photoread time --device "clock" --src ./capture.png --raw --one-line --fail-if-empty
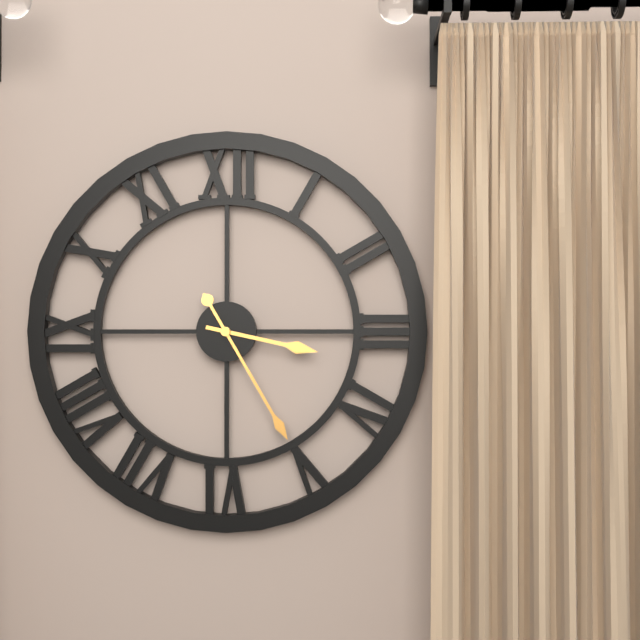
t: 3:25
